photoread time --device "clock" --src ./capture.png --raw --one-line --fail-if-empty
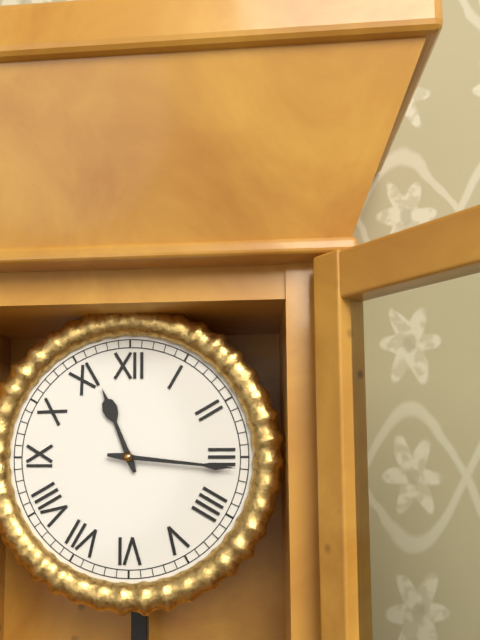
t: 11:16
